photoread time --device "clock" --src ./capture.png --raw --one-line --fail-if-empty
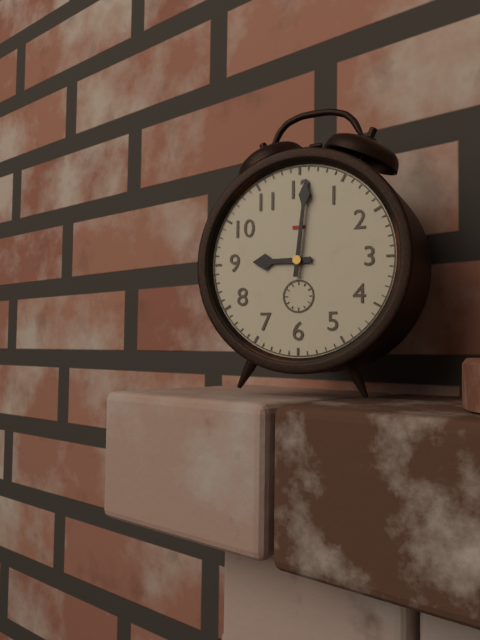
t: 9:01
